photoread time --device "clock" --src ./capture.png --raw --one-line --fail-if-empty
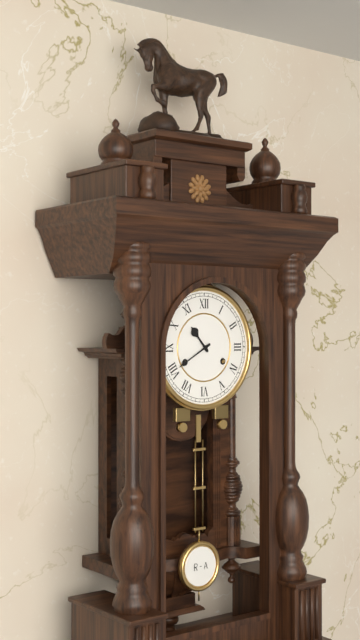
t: 10:40
